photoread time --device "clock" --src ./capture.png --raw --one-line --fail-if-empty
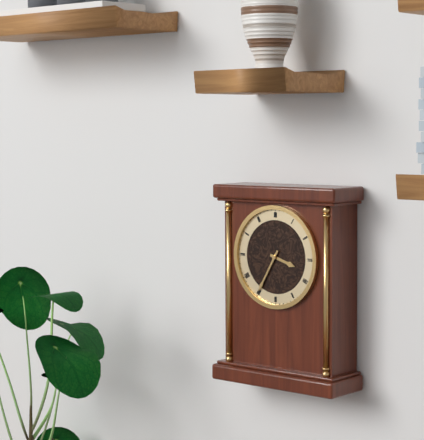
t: 3:35
